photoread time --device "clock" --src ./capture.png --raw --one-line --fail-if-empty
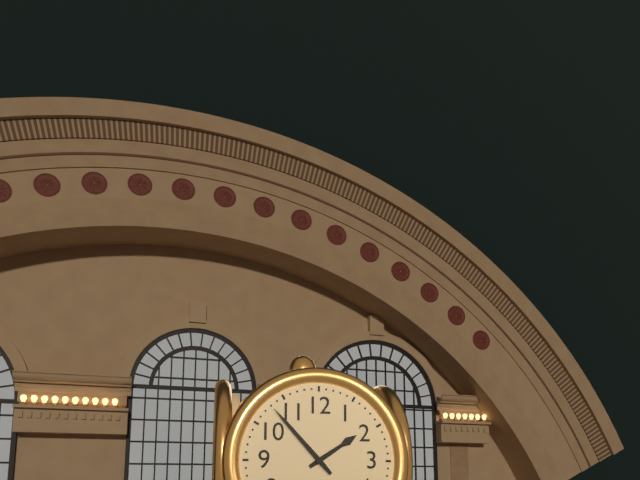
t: 1:53
